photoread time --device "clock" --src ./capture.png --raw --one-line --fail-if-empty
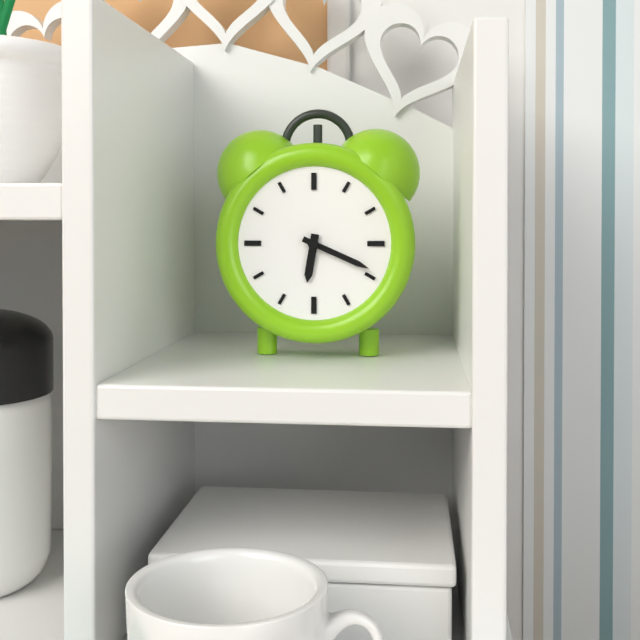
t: 6:19
